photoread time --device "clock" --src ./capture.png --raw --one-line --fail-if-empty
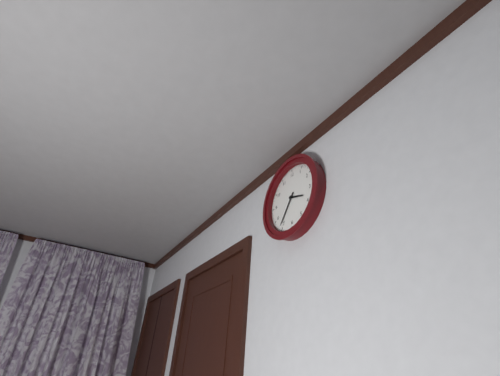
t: 3:36
